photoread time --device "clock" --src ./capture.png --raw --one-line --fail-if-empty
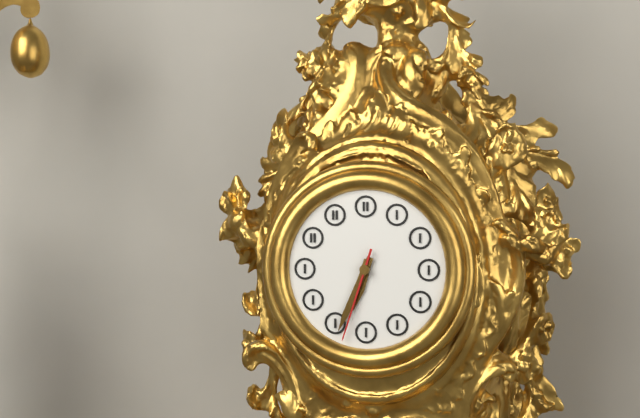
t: 6:34:33
